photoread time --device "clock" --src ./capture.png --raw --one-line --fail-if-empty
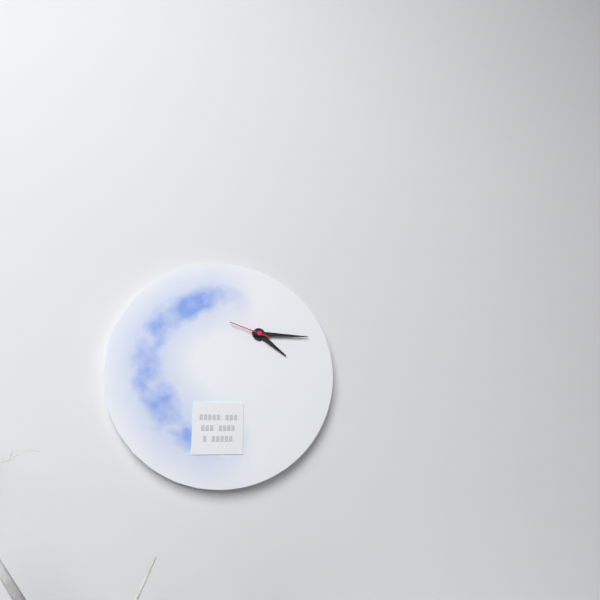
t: 4:15
